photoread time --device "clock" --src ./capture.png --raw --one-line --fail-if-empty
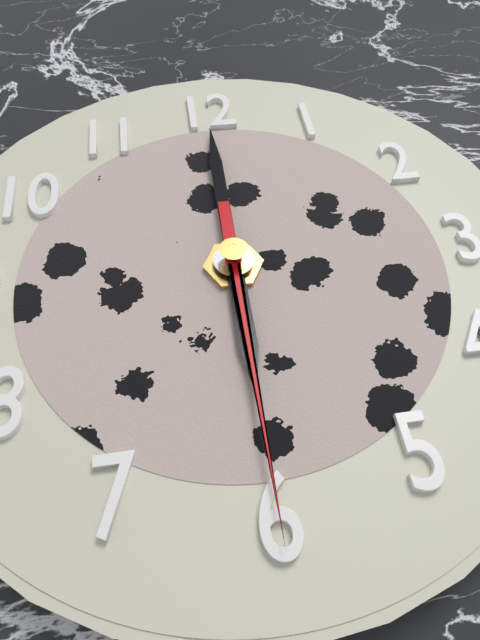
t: 6:00:30
